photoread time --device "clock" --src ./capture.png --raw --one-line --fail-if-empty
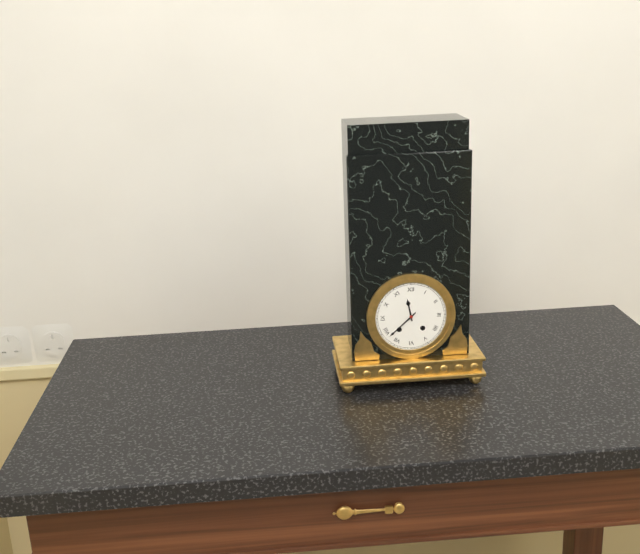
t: 11:38
